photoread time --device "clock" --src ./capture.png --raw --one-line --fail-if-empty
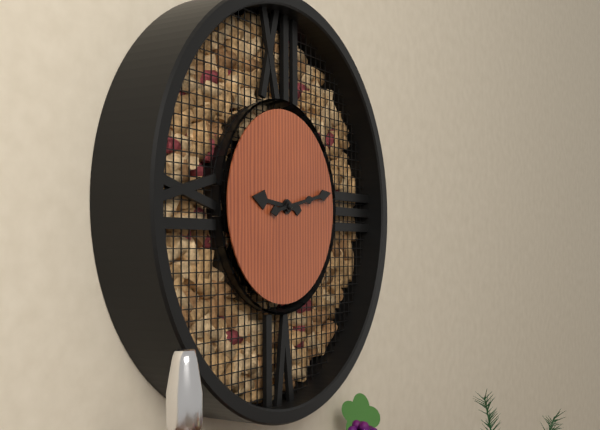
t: 9:13
